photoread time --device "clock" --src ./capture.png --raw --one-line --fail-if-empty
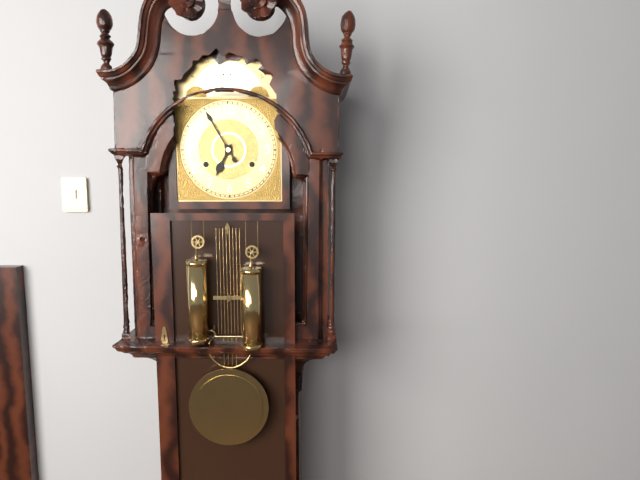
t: 6:55
